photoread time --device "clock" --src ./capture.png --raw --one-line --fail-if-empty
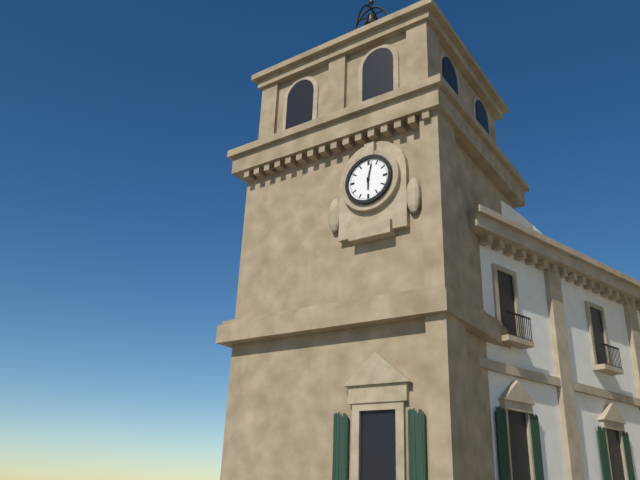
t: 6:02
